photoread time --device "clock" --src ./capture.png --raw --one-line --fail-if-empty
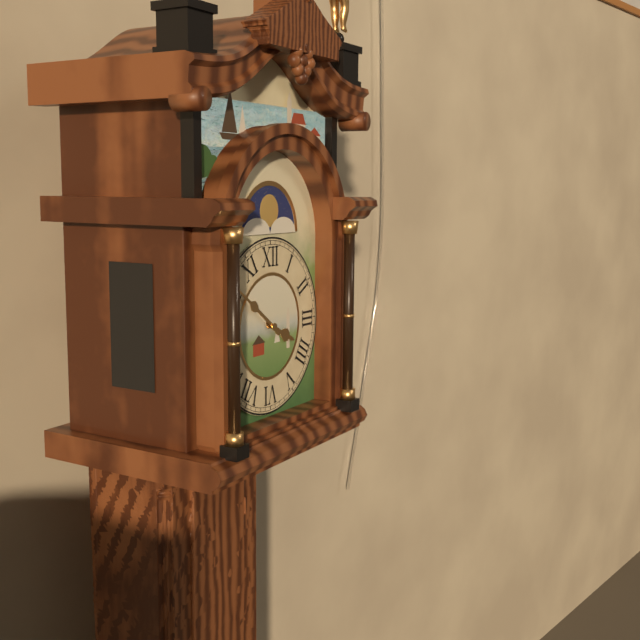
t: 3:51
